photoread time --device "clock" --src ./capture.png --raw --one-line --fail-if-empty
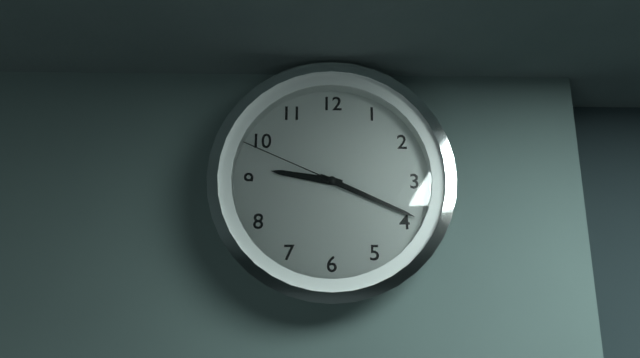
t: 9:19:49
